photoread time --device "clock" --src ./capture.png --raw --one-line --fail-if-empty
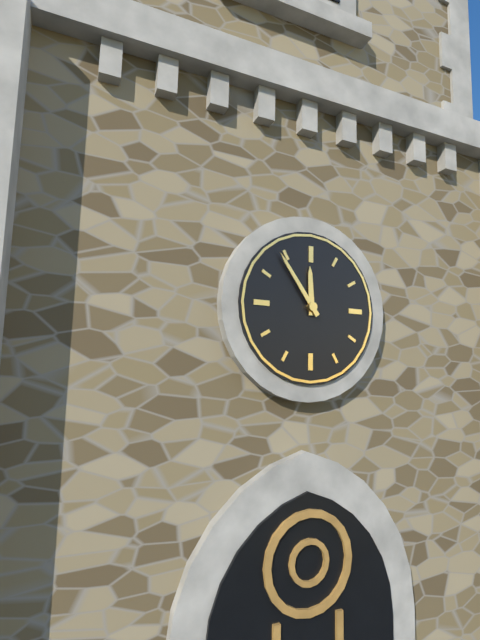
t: 11:54
